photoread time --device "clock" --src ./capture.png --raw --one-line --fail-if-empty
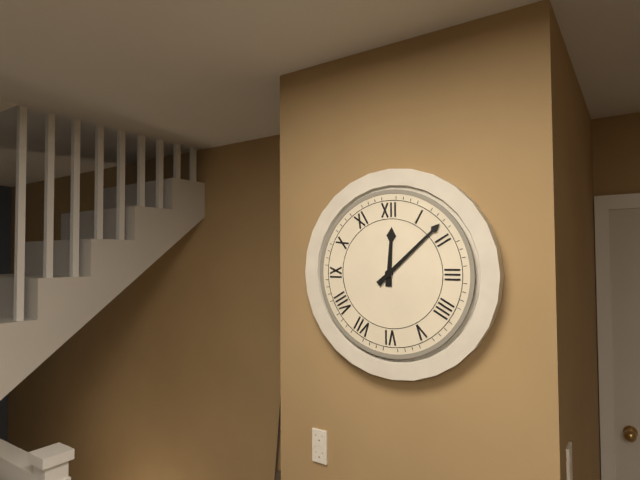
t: 12:08
